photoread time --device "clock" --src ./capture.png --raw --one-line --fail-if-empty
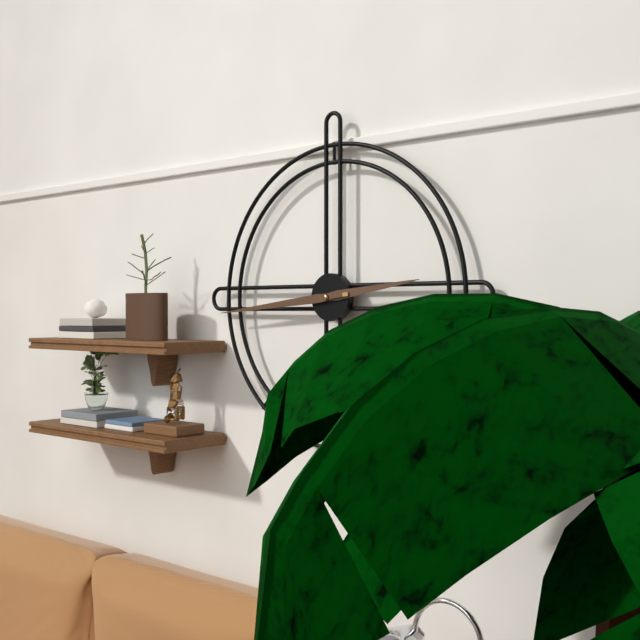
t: 2:44
